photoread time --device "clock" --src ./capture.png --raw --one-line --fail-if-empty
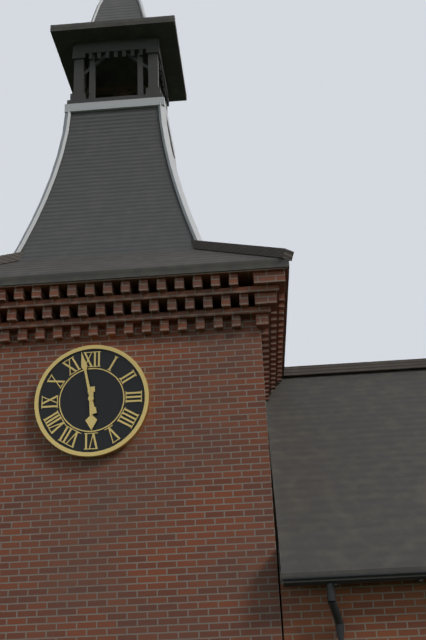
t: 5:58
